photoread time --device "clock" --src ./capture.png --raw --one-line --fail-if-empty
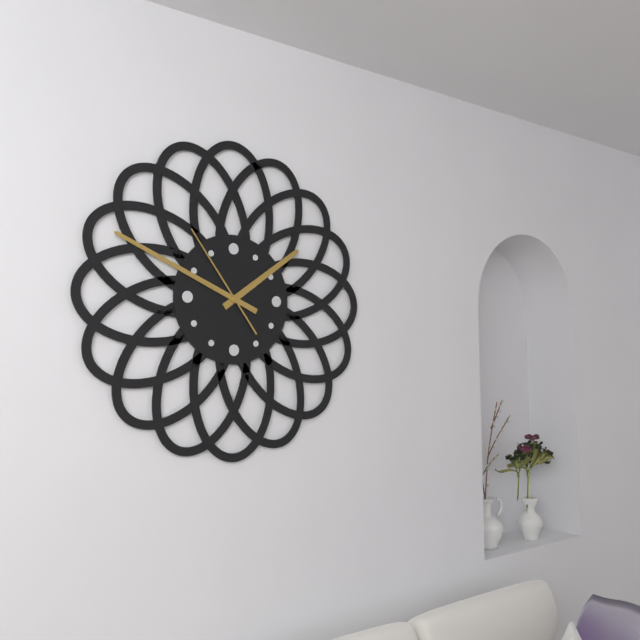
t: 1:49:54
